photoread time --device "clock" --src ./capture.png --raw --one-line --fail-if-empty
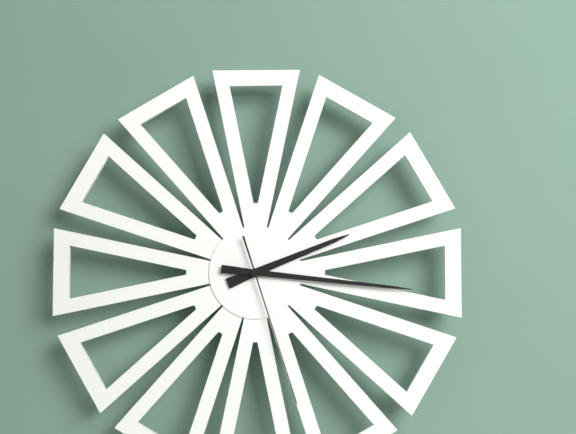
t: 2:16:27
